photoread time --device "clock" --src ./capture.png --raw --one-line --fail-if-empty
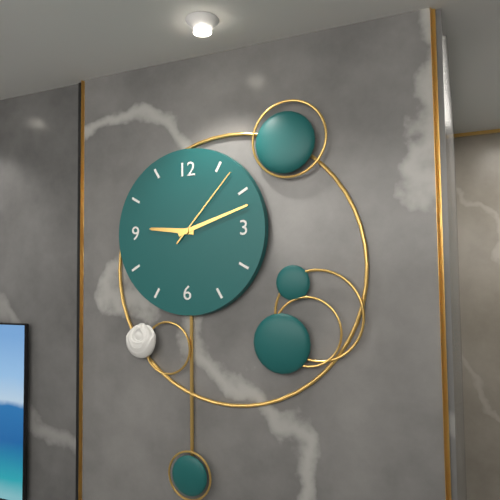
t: 9:12:07
